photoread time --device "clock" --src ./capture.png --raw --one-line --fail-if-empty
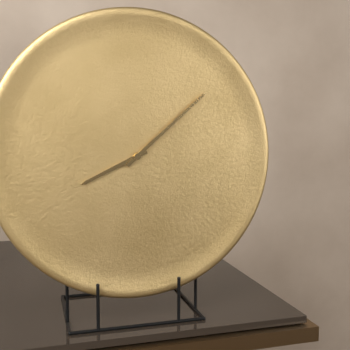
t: 8:08
